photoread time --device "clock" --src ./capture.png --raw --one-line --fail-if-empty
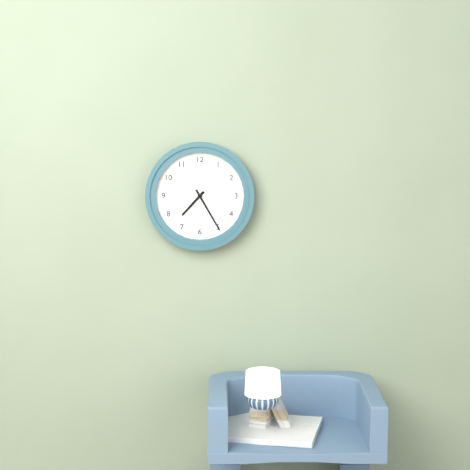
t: 7:25
